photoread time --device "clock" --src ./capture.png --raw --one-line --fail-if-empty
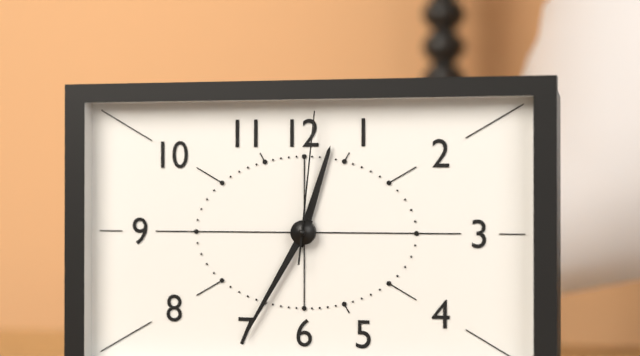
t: 12:35:01
